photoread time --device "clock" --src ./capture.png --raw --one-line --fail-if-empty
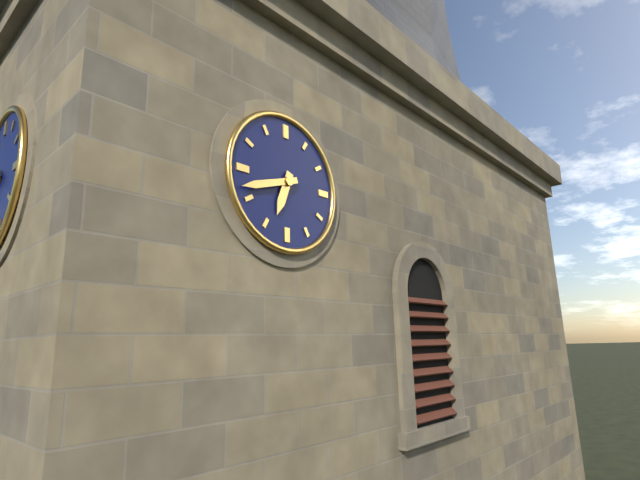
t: 6:42
